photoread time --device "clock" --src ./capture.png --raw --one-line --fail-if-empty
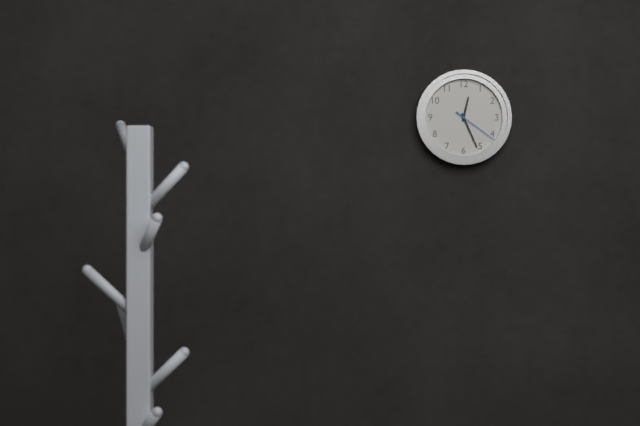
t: 12:26
